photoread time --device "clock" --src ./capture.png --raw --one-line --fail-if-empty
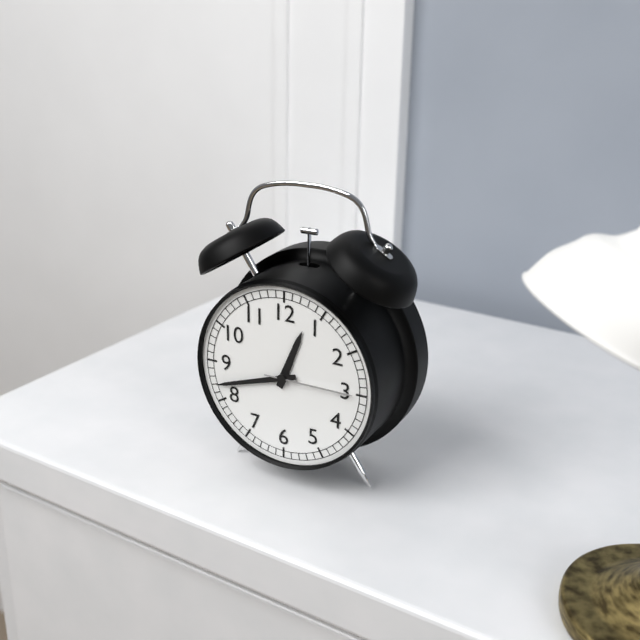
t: 12:42:15
